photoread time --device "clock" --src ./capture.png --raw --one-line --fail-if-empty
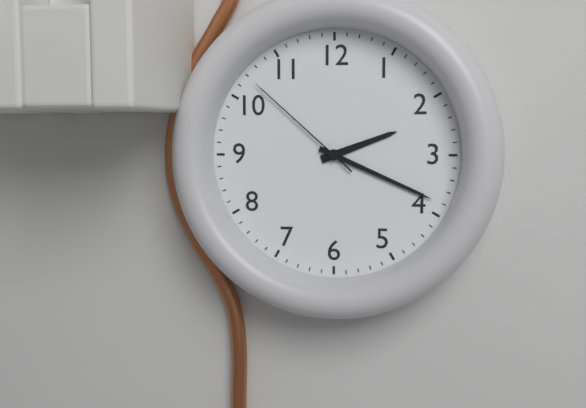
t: 2:19:52
